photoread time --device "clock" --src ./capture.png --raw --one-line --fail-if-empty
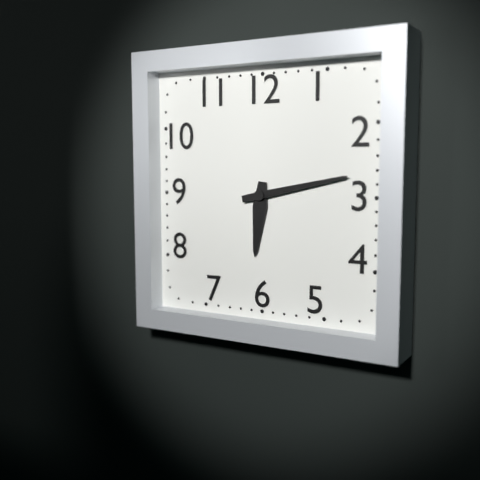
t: 6:13
